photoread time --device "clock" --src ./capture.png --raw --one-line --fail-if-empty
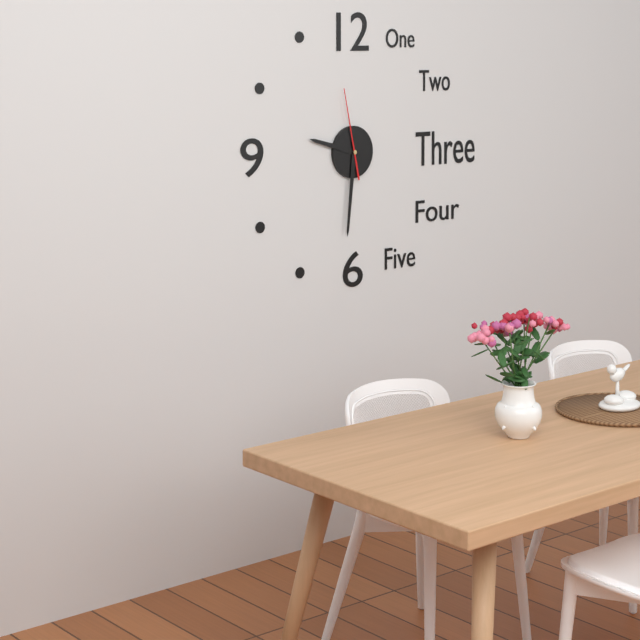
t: 9:31:58
